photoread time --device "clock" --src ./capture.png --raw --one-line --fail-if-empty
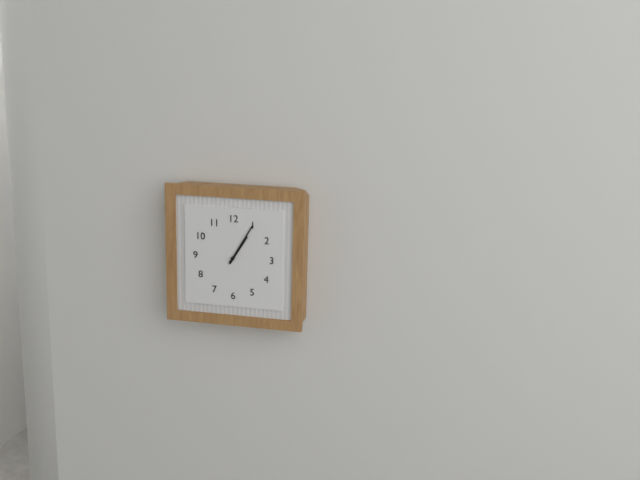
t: 1:05
